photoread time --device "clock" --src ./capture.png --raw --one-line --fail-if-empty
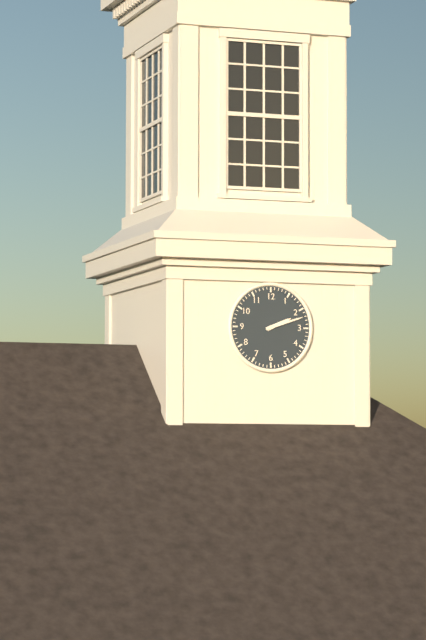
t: 2:12
